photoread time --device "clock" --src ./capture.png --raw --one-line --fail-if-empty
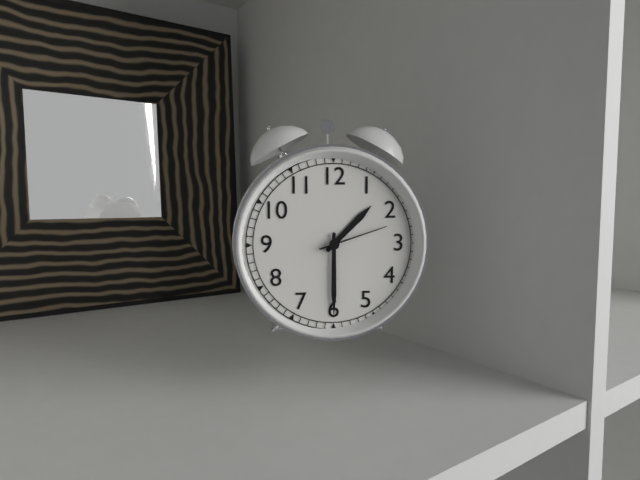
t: 1:30:12
